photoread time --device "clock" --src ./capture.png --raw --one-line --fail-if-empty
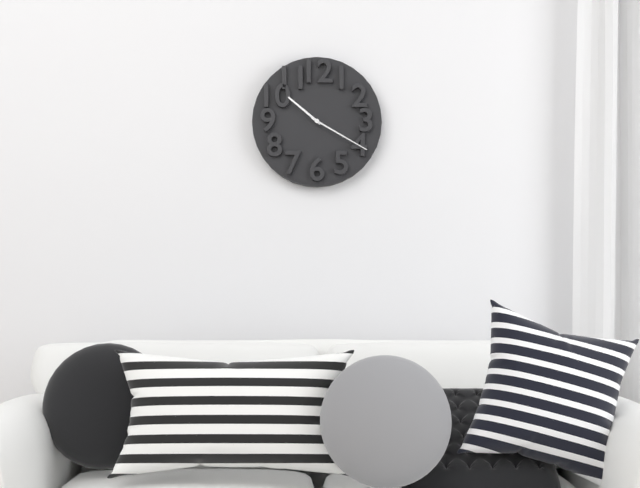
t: 10:20
